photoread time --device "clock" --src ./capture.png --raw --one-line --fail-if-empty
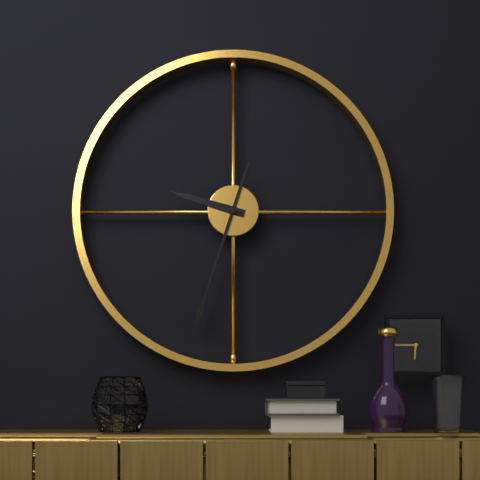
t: 9:33
